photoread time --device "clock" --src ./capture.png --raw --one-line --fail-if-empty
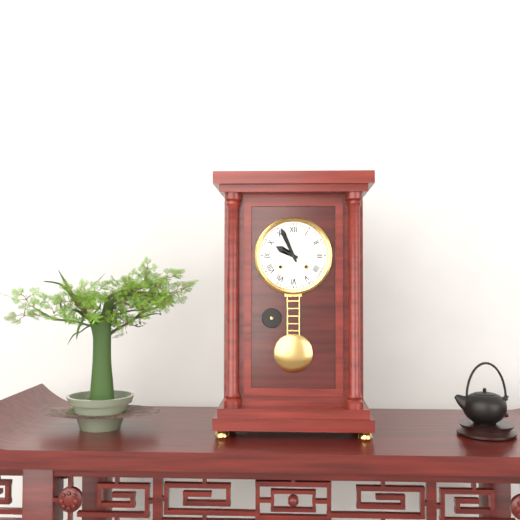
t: 9:56
